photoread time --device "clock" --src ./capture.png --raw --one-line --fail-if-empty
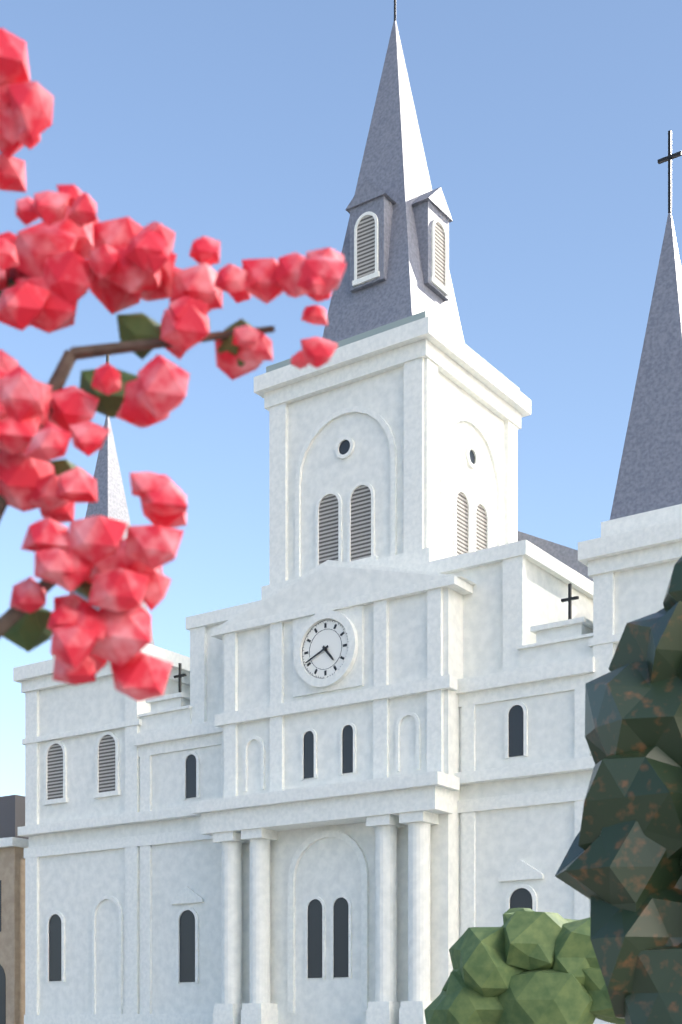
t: 4:41
